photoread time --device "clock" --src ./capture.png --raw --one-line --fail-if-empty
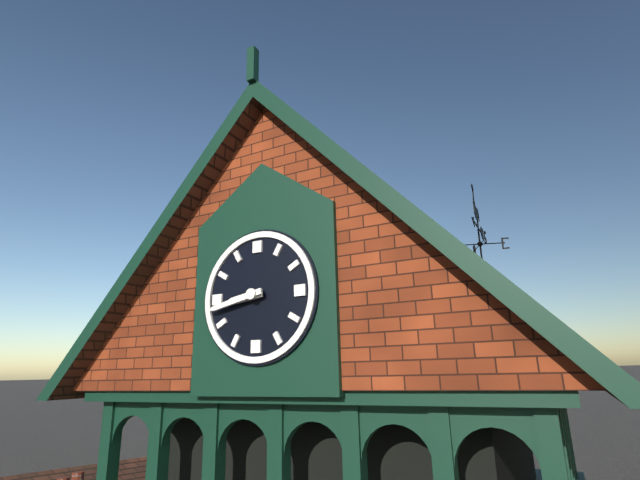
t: 8:43
